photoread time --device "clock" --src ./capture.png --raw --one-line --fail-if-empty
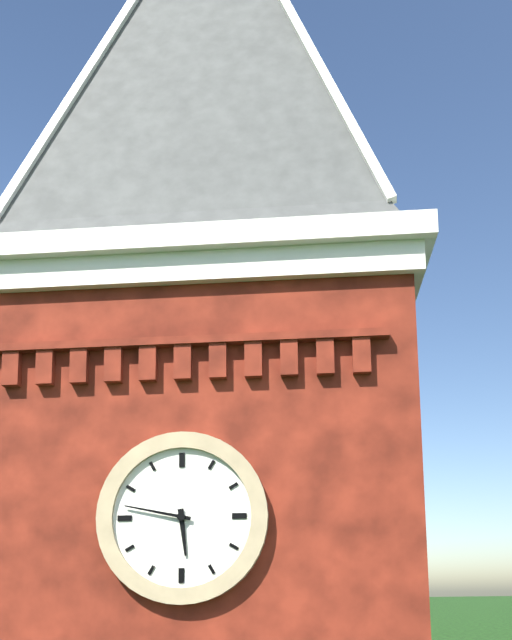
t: 5:47
